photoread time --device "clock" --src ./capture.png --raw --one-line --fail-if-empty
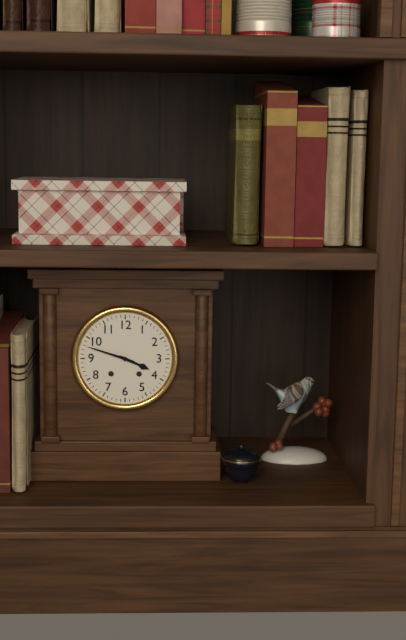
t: 3:48
